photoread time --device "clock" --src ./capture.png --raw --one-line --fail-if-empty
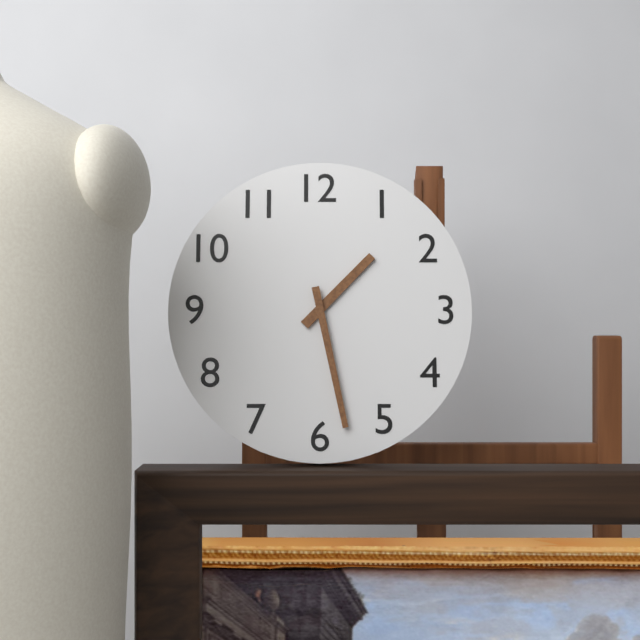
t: 1:28
